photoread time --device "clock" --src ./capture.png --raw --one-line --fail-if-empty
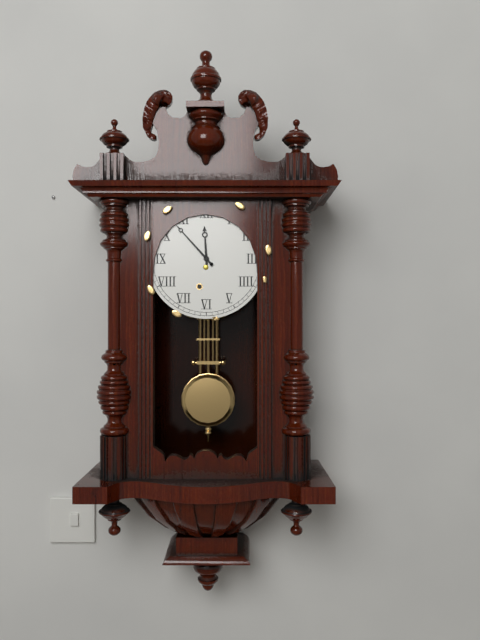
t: 11:53
